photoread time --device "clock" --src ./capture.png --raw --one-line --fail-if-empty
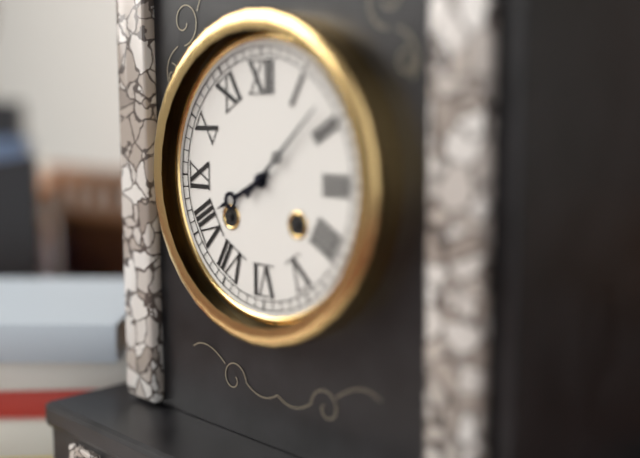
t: 8:08
